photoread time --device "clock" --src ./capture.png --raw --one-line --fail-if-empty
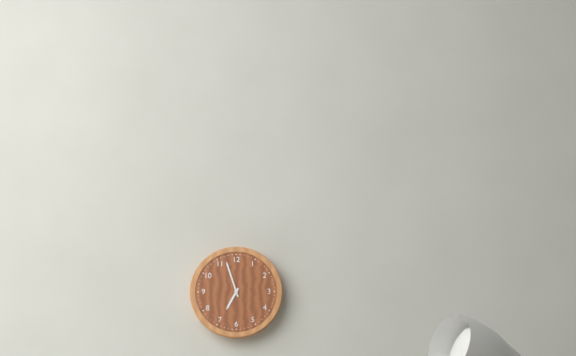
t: 6:57
